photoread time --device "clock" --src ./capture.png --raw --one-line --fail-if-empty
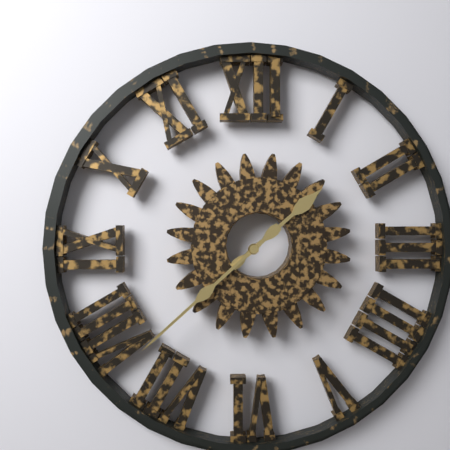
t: 1:38
